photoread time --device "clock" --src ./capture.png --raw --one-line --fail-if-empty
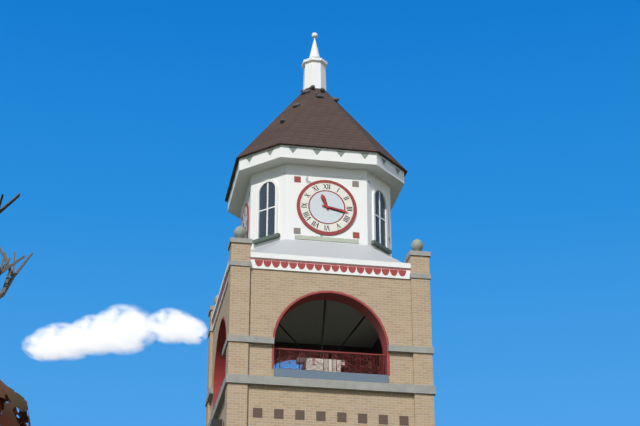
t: 11:17
